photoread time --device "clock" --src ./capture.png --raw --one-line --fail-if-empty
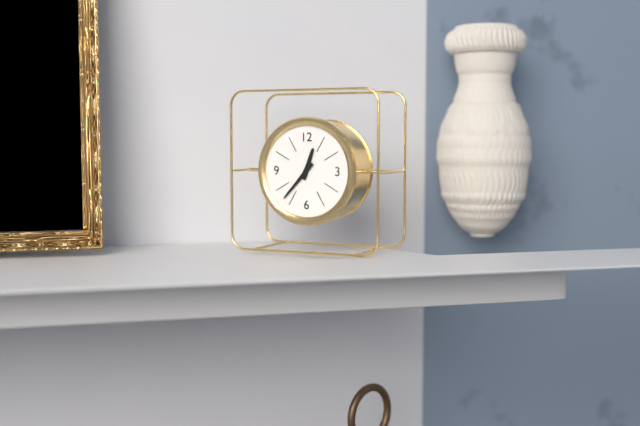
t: 12:37
